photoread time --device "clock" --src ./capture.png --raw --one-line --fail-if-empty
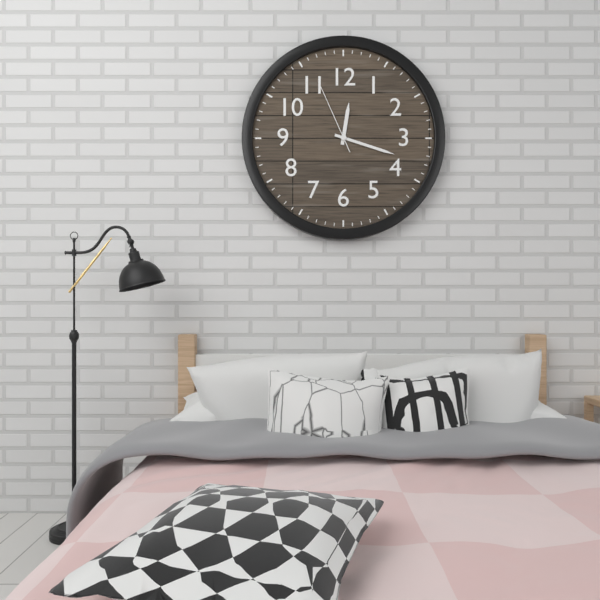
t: 12:18:56
